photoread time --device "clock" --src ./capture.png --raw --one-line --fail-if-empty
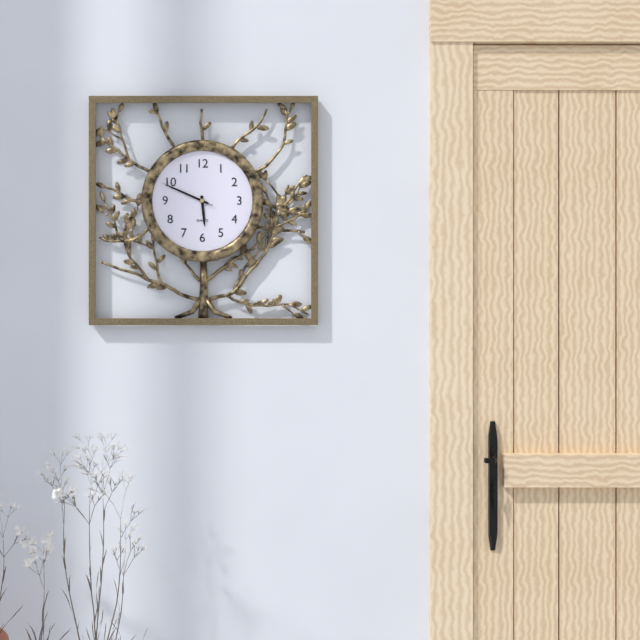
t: 5:49:49
